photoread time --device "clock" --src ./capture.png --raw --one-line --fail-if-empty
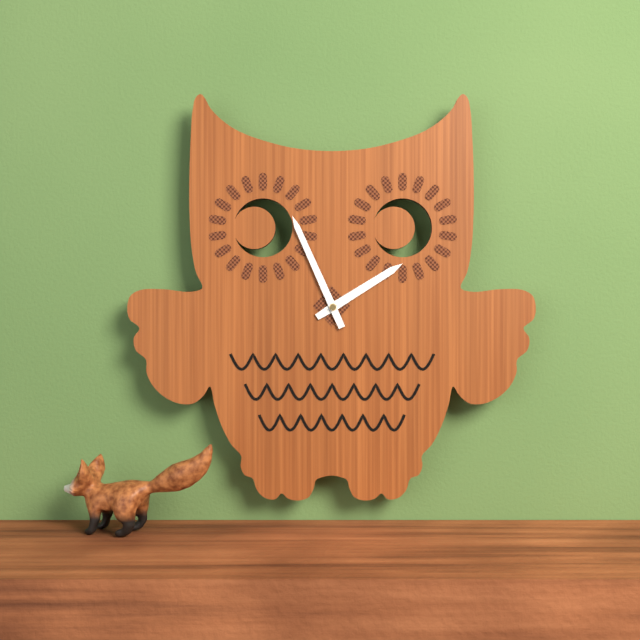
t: 1:56
